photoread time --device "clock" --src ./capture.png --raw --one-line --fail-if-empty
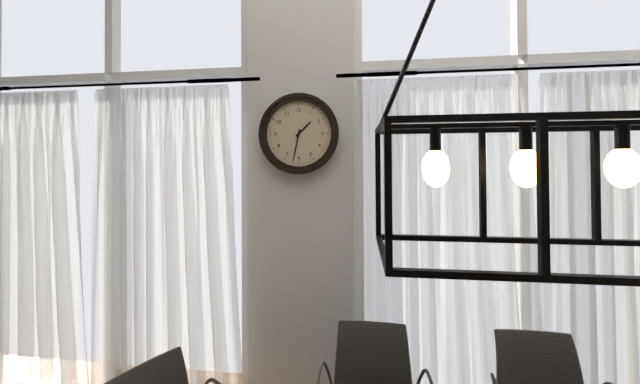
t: 1:32
